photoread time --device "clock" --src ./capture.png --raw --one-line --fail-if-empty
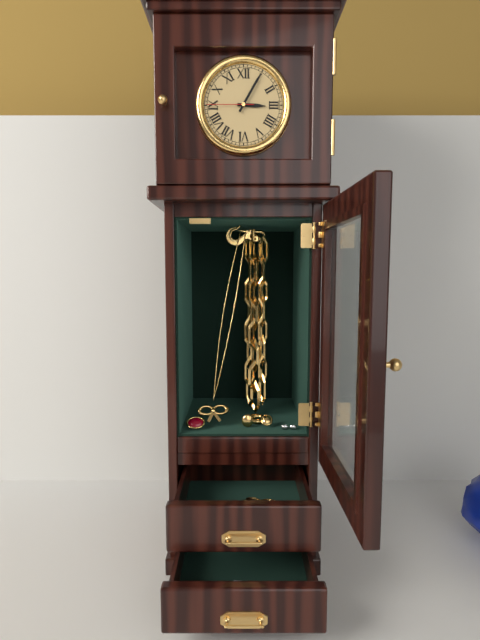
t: 3:05
